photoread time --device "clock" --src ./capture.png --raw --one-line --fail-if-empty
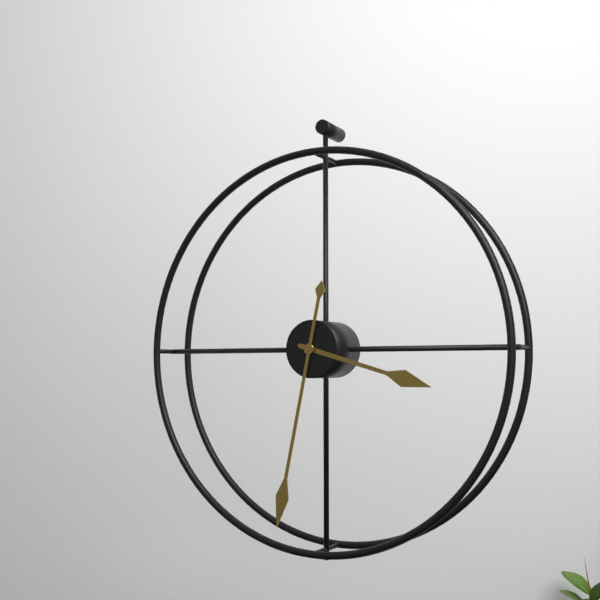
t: 3:32
